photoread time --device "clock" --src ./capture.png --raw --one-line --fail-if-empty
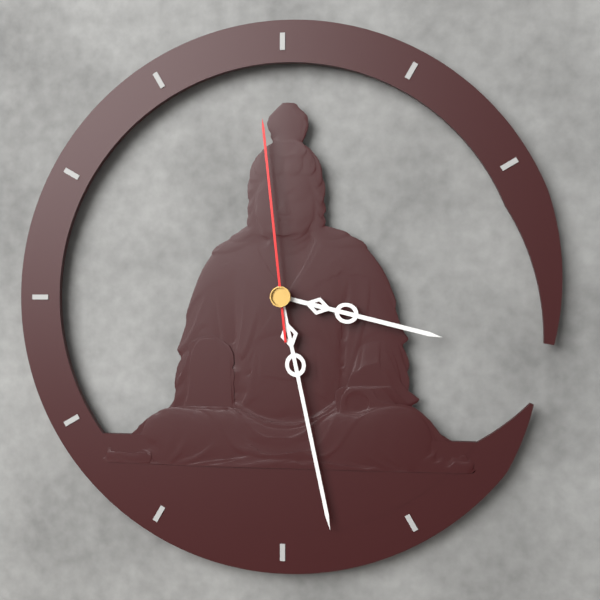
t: 3:28:59
